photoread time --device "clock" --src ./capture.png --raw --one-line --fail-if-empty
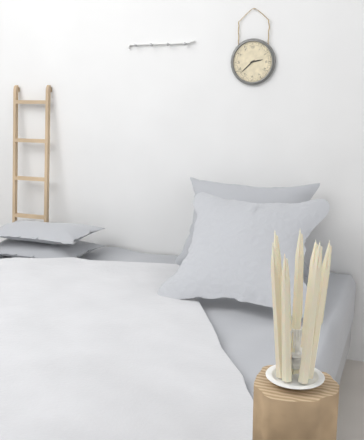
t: 2:38
